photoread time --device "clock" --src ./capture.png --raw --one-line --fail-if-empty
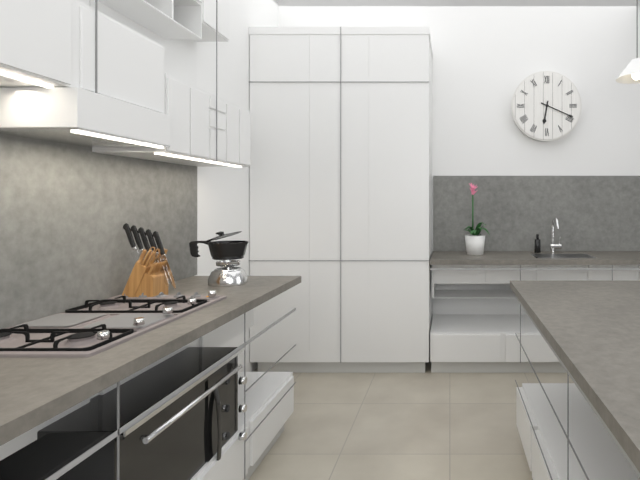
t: 6:19
